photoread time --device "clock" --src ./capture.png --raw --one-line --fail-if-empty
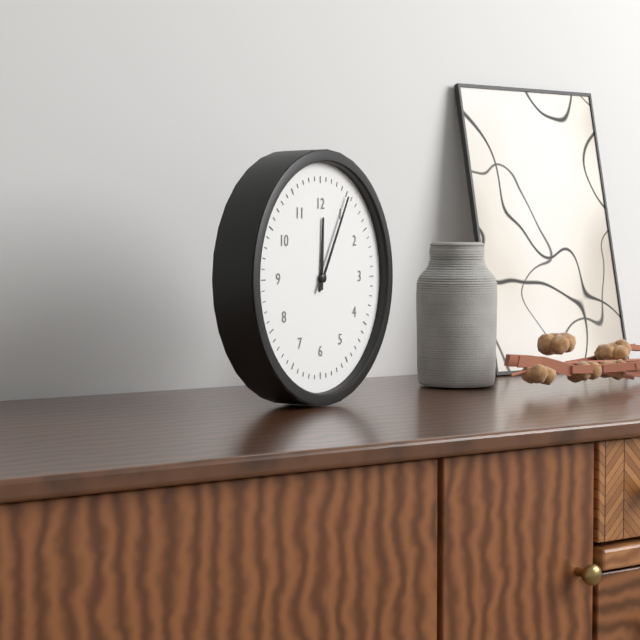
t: 12:05
